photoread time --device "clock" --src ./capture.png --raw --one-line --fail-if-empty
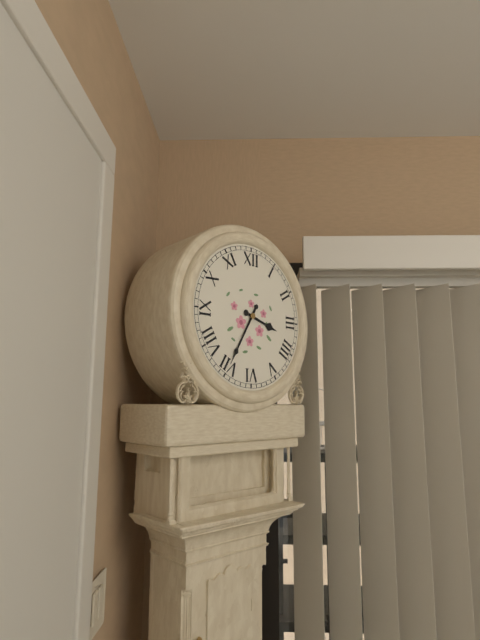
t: 3:35
